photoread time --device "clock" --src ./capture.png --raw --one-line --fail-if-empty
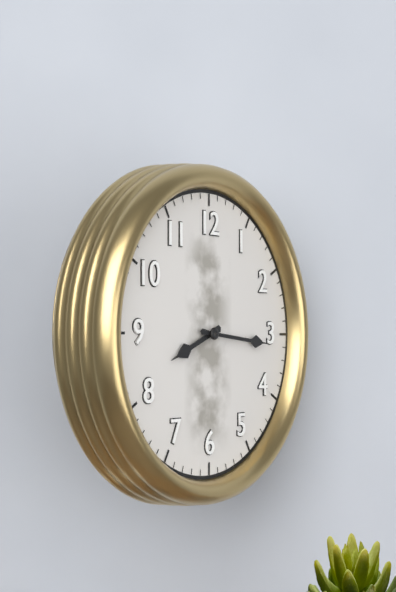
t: 8:16
